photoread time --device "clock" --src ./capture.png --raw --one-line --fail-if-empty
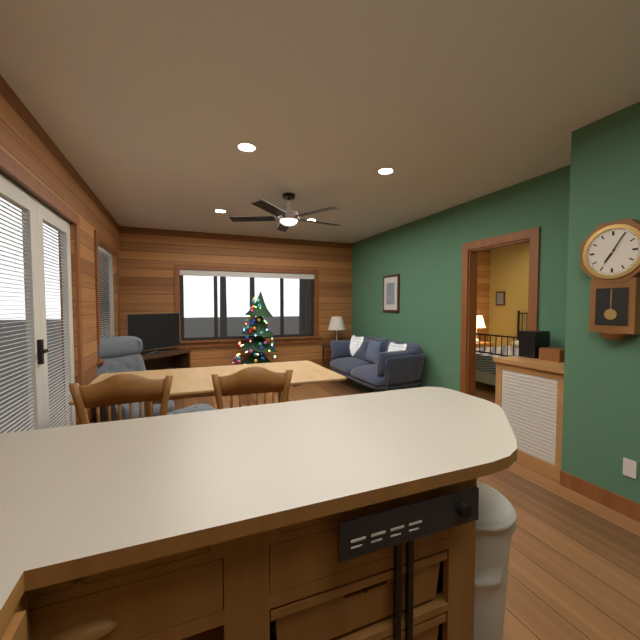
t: 7:05
